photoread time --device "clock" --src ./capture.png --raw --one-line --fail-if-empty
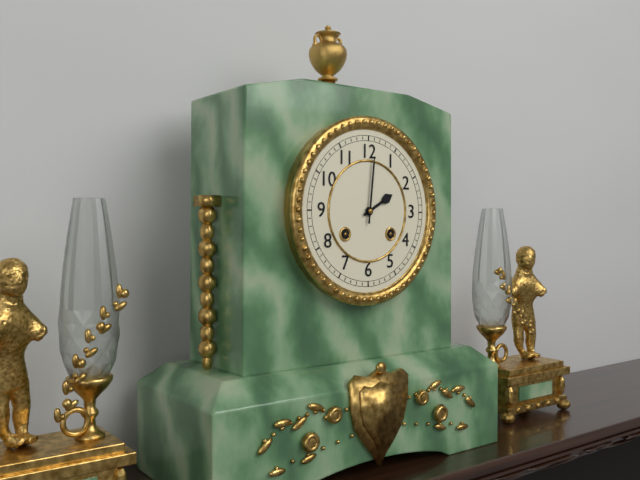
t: 2:01
